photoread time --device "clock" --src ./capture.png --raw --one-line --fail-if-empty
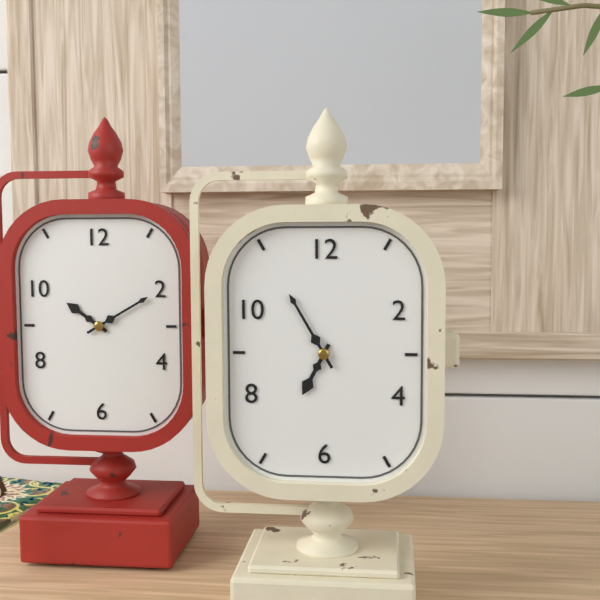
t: 6:55
